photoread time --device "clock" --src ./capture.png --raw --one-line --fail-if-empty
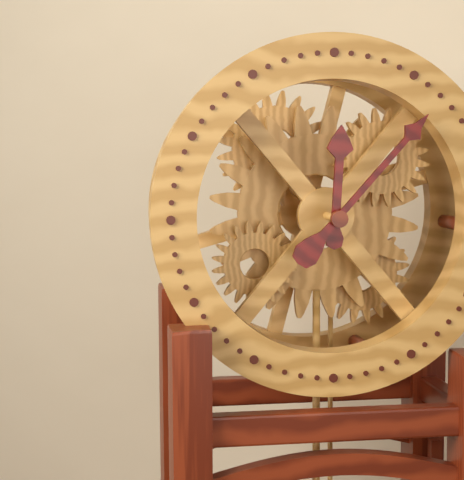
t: 12:07
